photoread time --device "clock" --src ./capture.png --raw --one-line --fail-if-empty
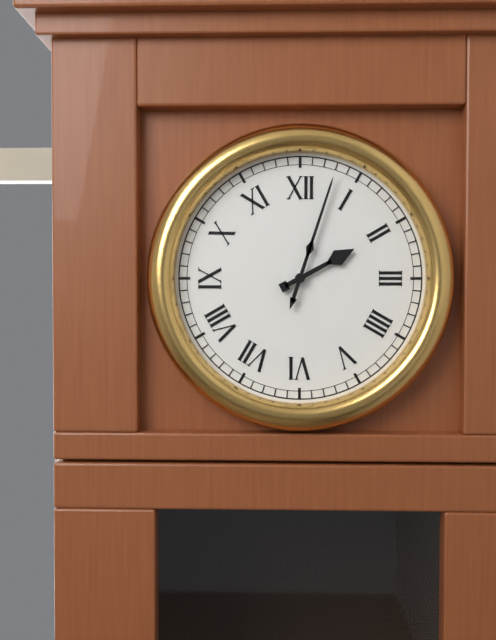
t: 2:03
